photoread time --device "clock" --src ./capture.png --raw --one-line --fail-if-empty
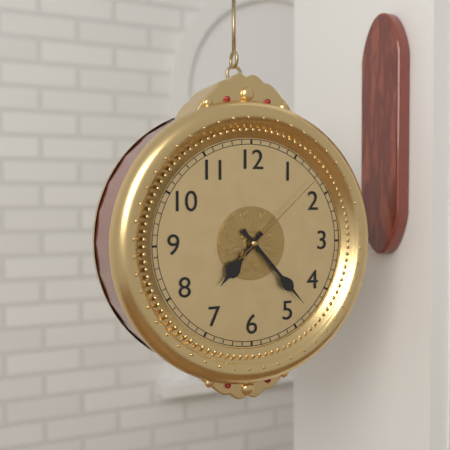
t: 7:23:08
